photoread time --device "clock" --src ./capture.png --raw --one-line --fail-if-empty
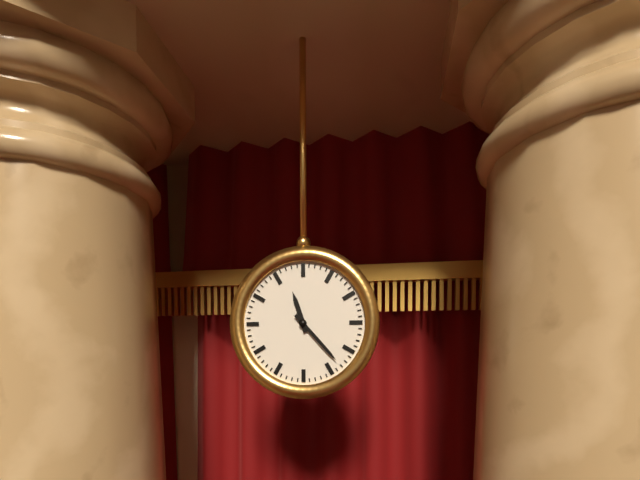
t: 11:23
